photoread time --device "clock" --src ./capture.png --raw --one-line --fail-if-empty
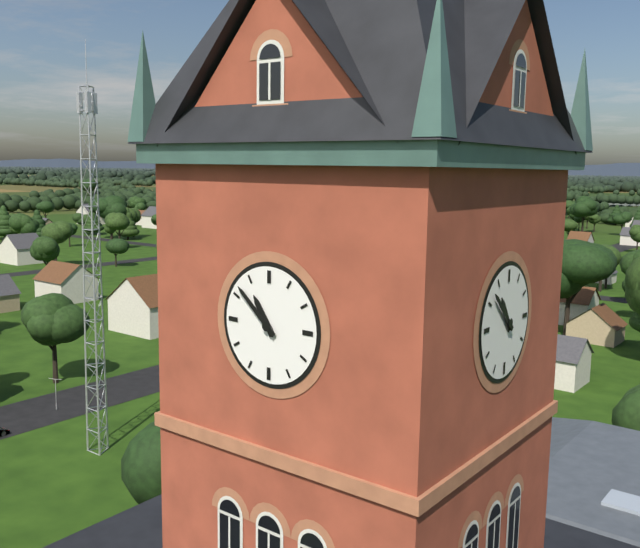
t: 10:52
